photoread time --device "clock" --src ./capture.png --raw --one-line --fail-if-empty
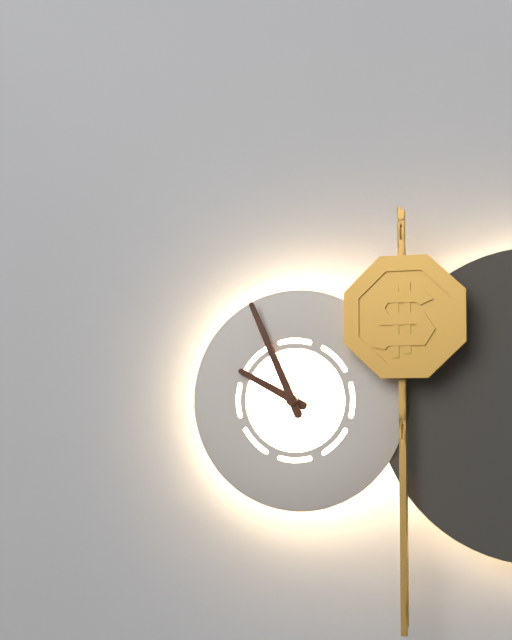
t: 9:56
